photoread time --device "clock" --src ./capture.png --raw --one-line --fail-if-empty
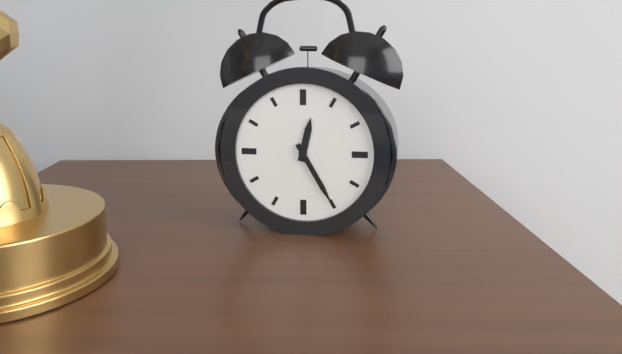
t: 12:25
